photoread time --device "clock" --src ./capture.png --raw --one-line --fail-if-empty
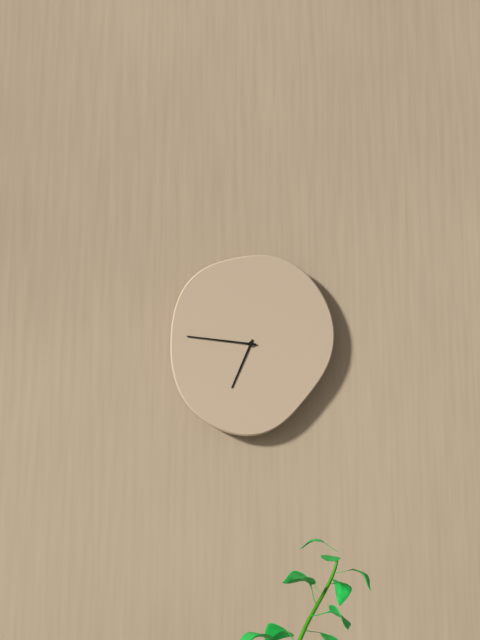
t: 6:46
